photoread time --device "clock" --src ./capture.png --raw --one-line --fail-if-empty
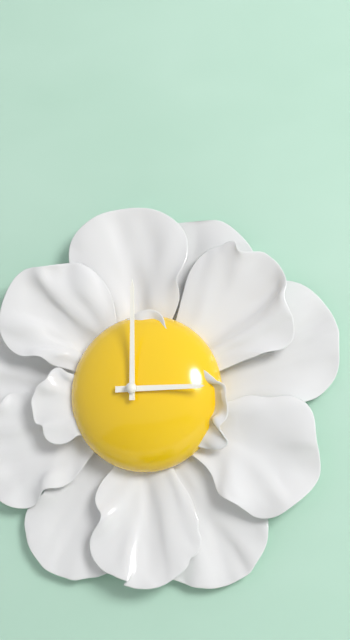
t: 3:00
